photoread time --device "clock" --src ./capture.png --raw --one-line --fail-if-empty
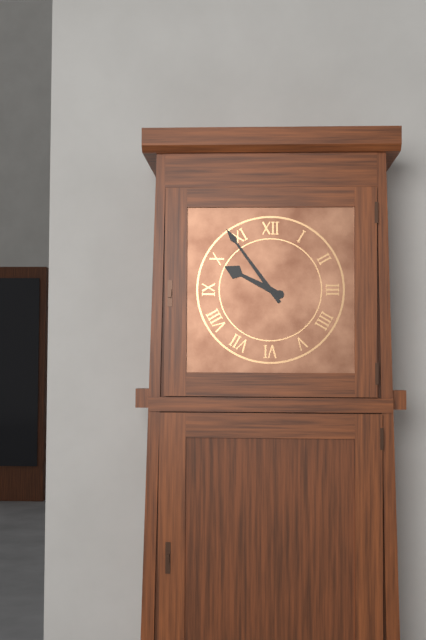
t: 9:54
